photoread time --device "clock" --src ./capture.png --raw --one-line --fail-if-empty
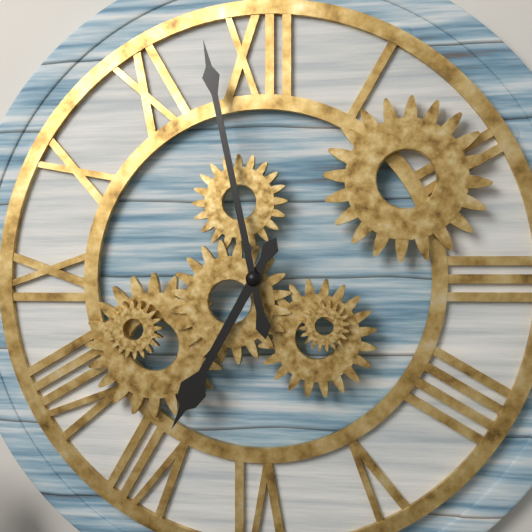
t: 6:58
